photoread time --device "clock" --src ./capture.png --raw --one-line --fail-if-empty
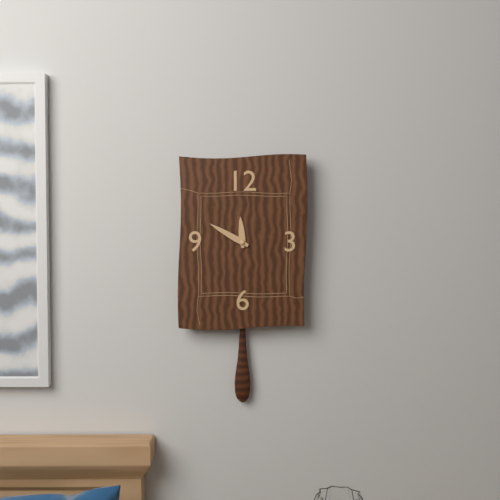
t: 11:50
